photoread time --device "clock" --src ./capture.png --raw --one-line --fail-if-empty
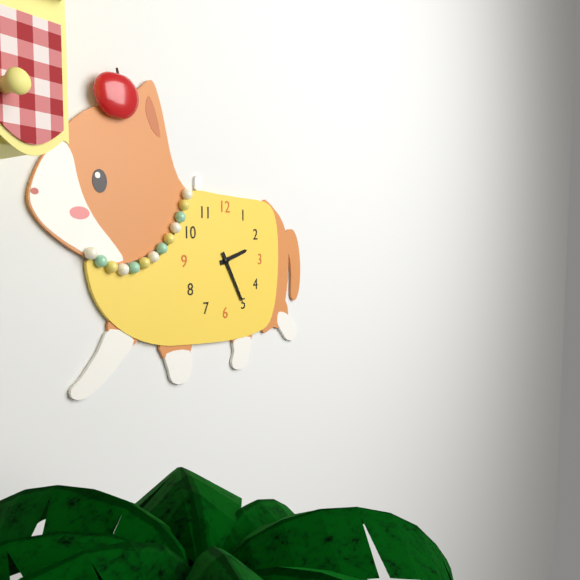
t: 2:25
